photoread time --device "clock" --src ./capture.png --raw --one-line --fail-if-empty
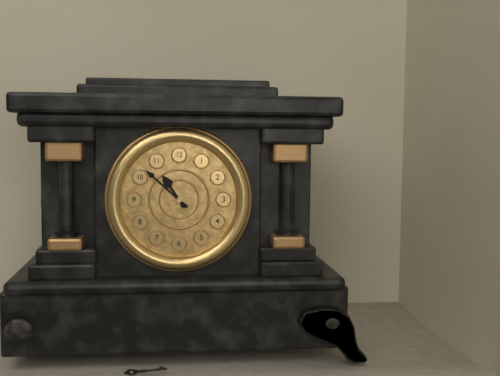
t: 10:52
